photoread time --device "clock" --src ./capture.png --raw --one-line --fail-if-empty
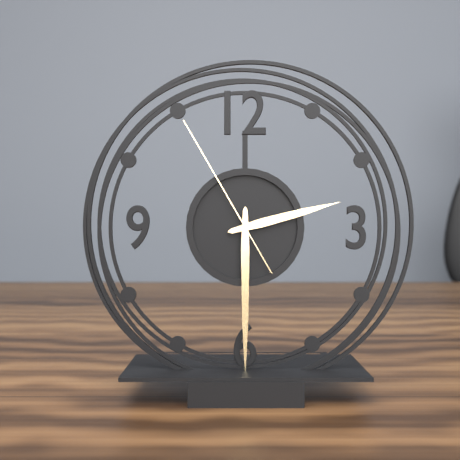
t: 2:30:55
